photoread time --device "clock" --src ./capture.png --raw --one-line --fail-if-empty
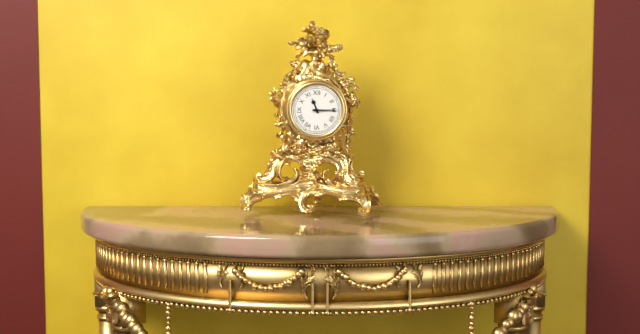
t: 11:15
